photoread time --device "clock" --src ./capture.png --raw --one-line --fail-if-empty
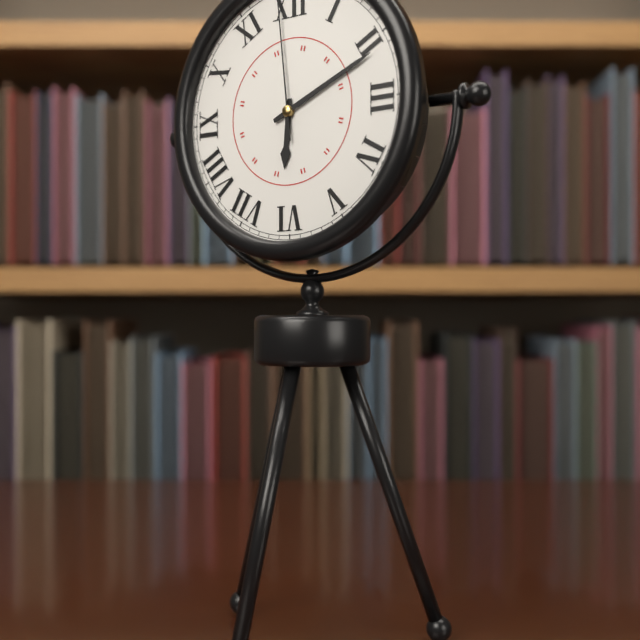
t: 6:11
